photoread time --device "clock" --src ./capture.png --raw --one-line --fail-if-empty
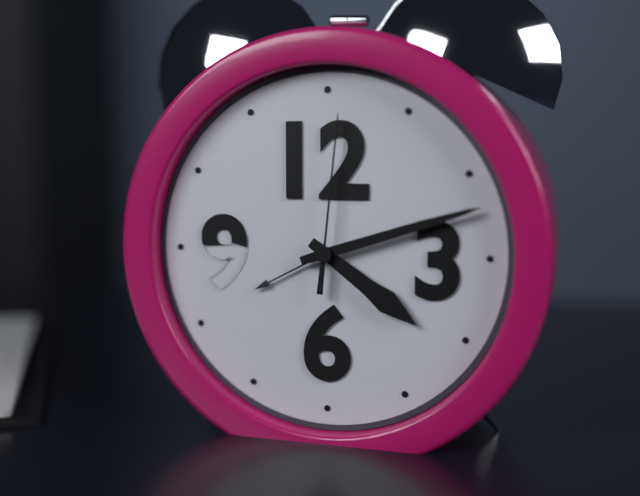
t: 4:12:01
